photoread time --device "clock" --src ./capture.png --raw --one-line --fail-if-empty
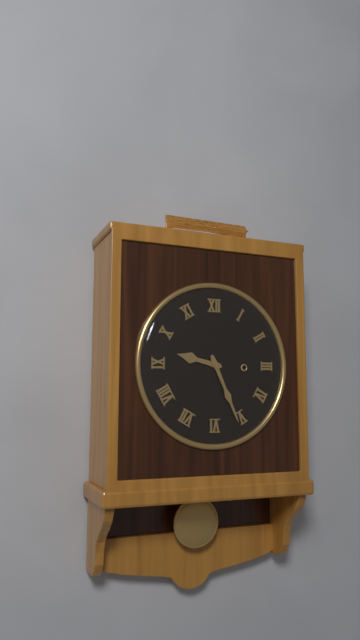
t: 9:26
